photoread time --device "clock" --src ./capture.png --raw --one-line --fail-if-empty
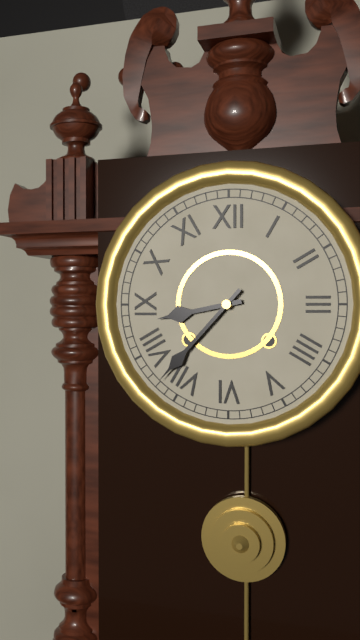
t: 8:37
